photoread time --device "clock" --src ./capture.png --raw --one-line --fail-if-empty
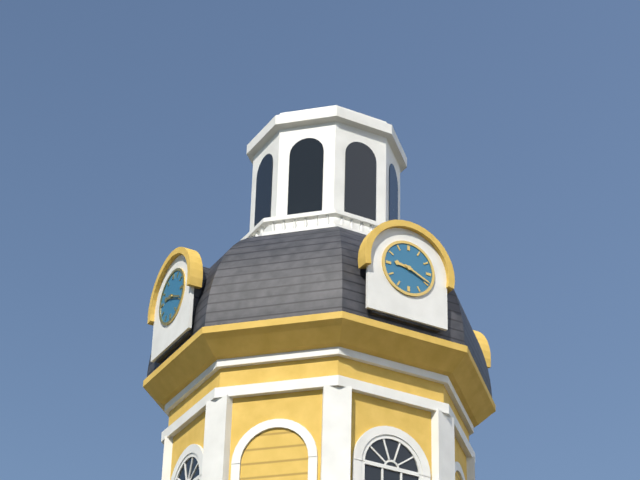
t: 9:19
